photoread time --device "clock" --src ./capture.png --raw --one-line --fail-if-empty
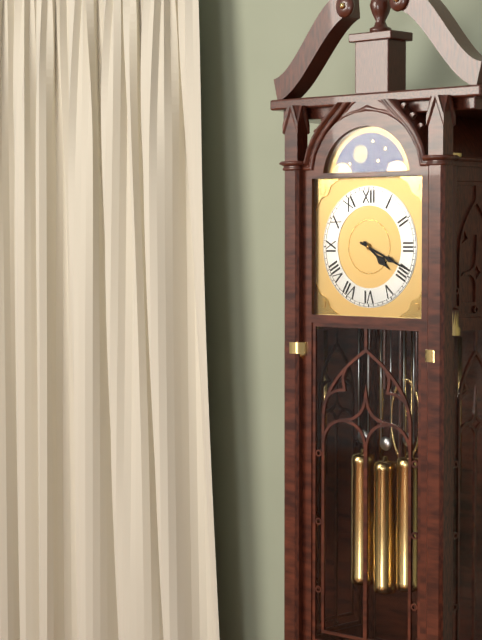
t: 4:19
